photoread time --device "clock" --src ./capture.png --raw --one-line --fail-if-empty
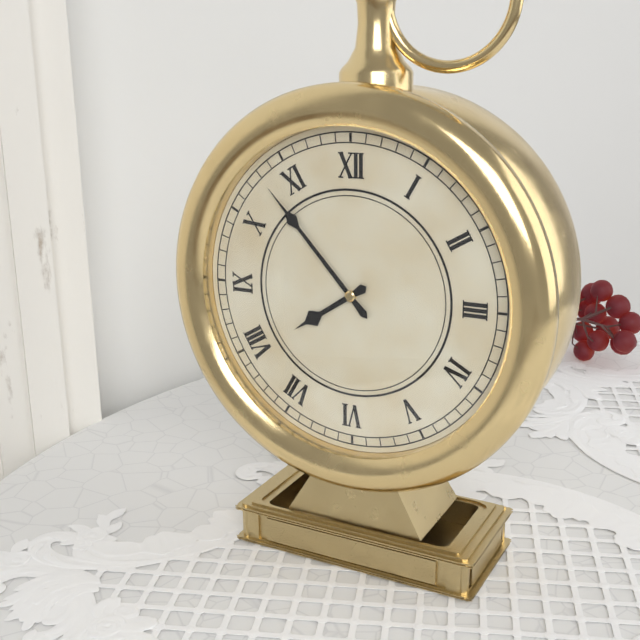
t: 7:53
